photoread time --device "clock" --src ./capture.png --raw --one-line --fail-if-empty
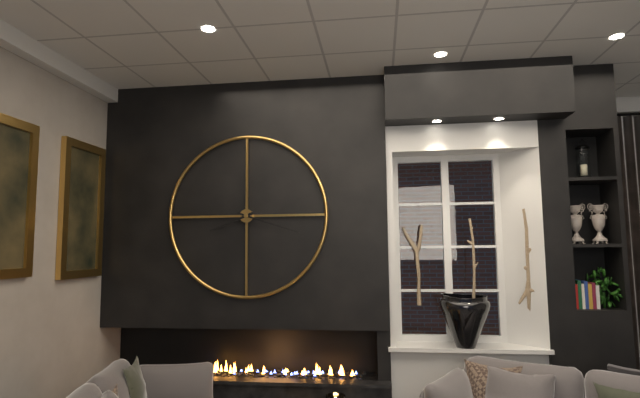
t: 8:18
